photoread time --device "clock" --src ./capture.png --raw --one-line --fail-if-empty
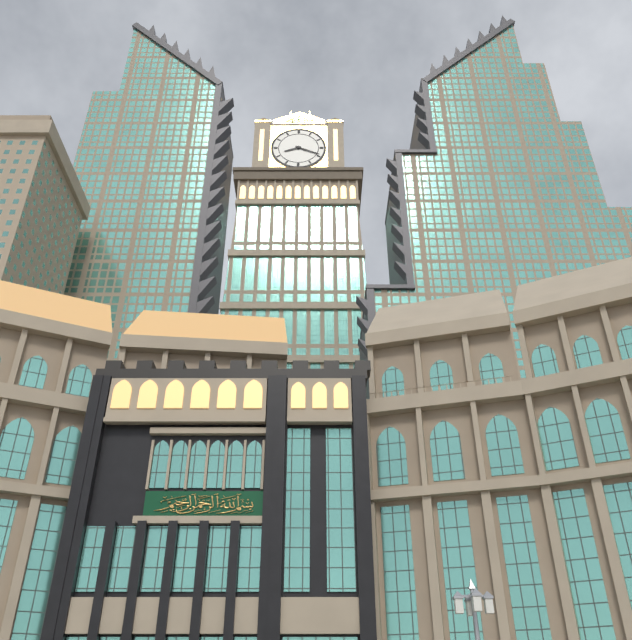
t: 8:19
